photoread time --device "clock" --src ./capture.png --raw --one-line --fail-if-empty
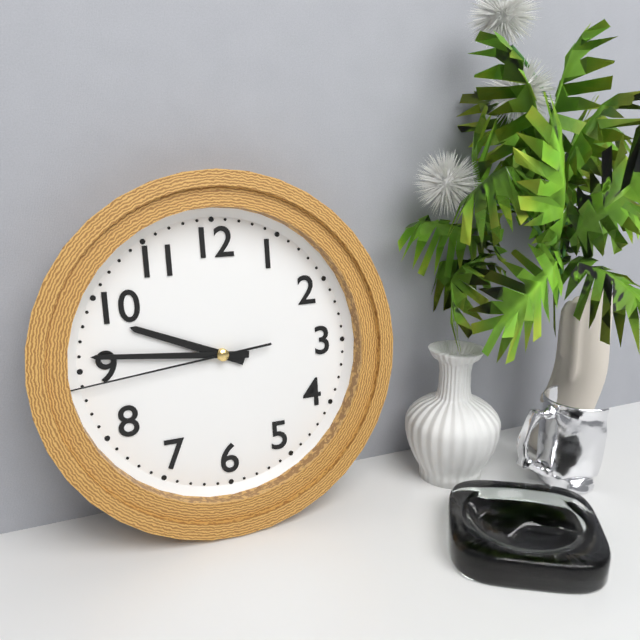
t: 9:46:44
